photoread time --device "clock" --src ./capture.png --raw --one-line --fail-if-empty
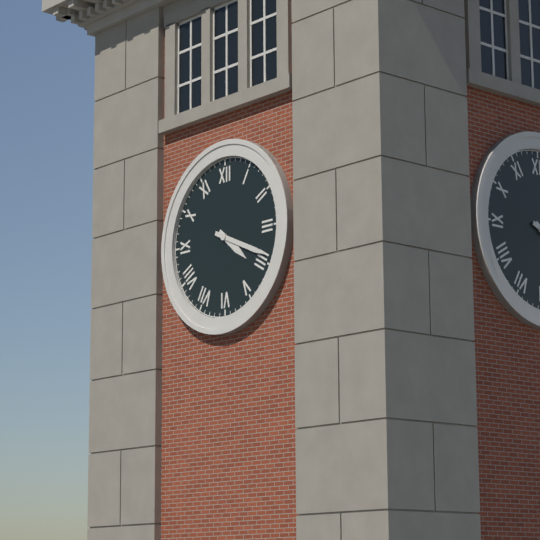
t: 4:19
